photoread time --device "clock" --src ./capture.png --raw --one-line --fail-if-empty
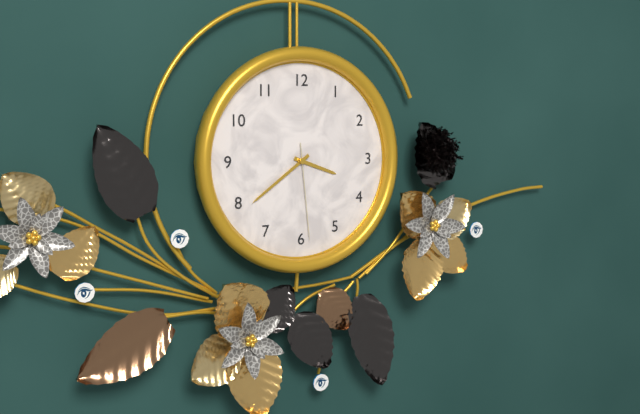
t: 3:39:29
